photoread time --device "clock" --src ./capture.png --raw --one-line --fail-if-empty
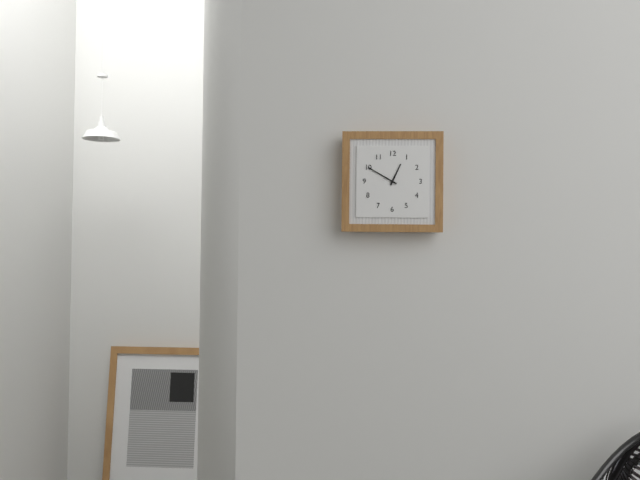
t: 12:50
